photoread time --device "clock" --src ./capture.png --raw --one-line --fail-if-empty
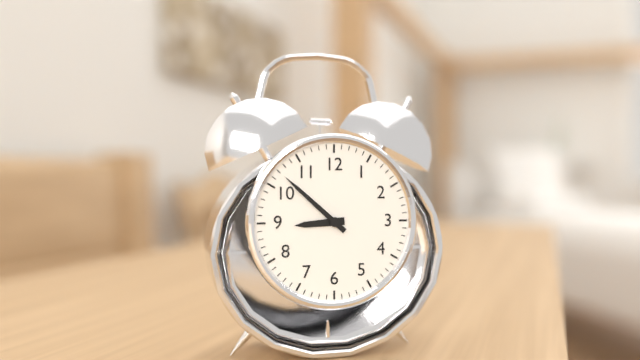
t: 8:52
